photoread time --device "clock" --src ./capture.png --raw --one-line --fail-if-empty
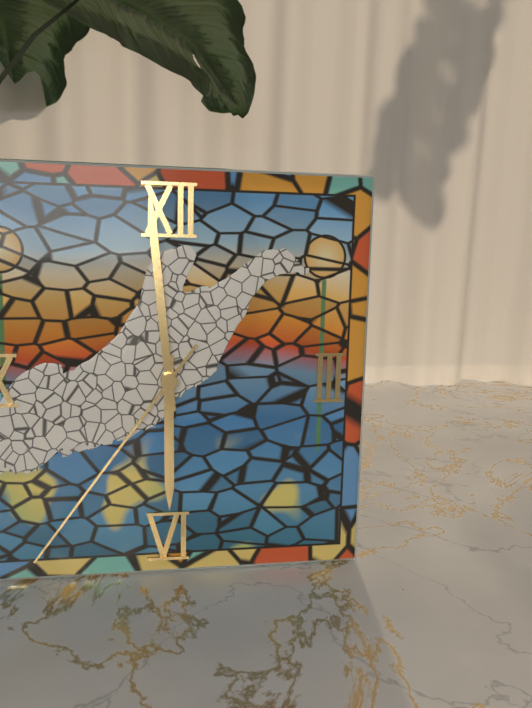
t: 5:59:36
